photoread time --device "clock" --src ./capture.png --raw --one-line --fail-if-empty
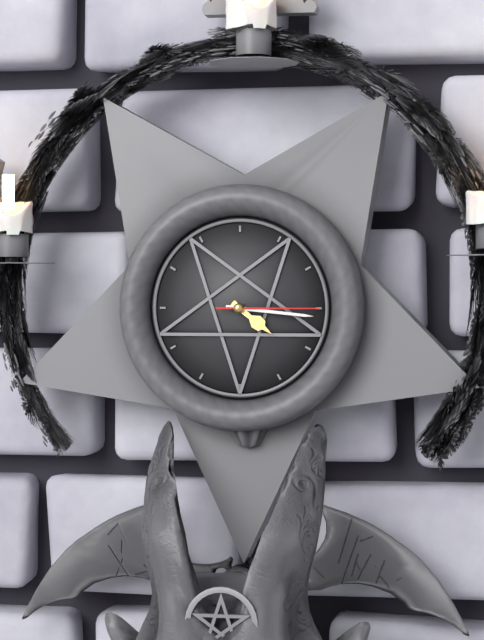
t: 4:16:15
